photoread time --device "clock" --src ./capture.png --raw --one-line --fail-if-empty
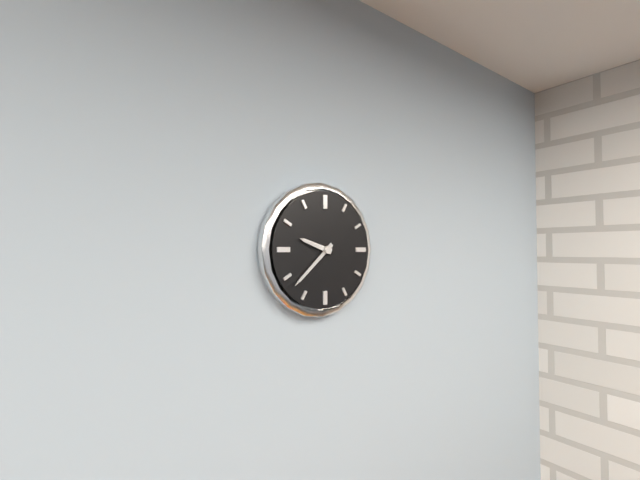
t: 9:38
